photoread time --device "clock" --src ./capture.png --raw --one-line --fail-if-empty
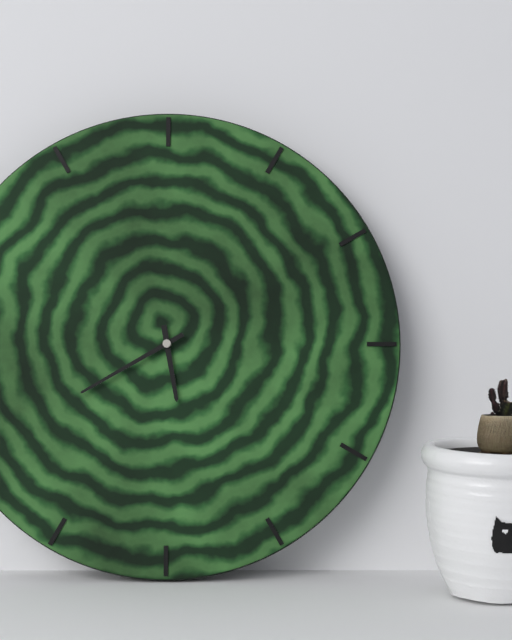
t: 5:40
